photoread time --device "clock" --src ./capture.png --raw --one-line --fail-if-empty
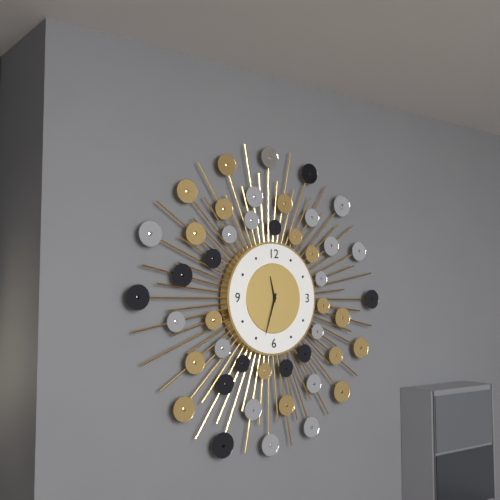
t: 11:33
